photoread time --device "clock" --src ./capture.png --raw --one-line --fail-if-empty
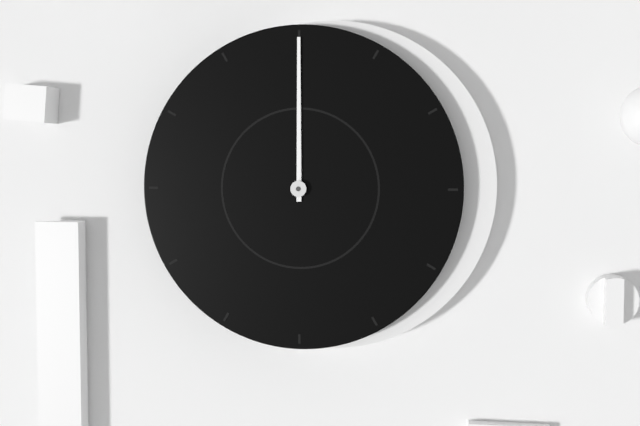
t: 12:00
